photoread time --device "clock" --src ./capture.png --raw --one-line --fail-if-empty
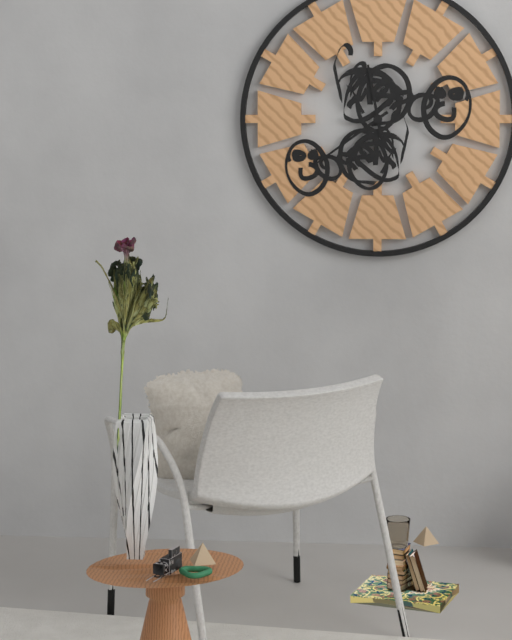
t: 11:39
